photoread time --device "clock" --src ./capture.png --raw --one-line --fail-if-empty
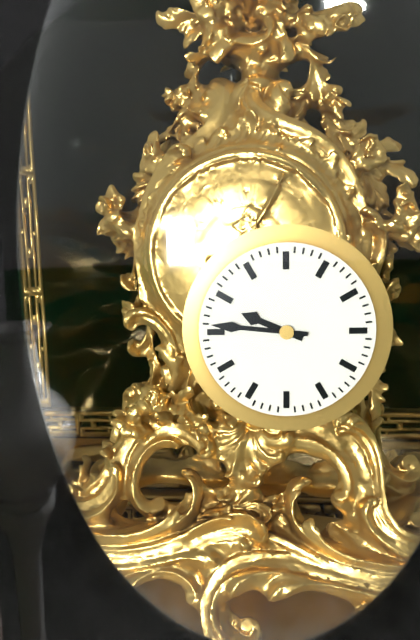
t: 9:46
